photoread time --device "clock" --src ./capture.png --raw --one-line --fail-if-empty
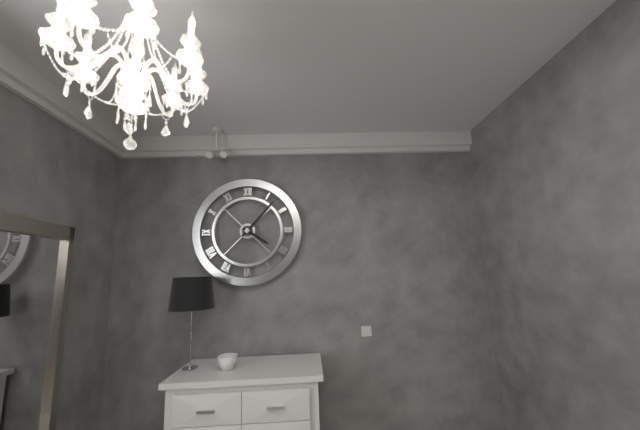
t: 4:07
